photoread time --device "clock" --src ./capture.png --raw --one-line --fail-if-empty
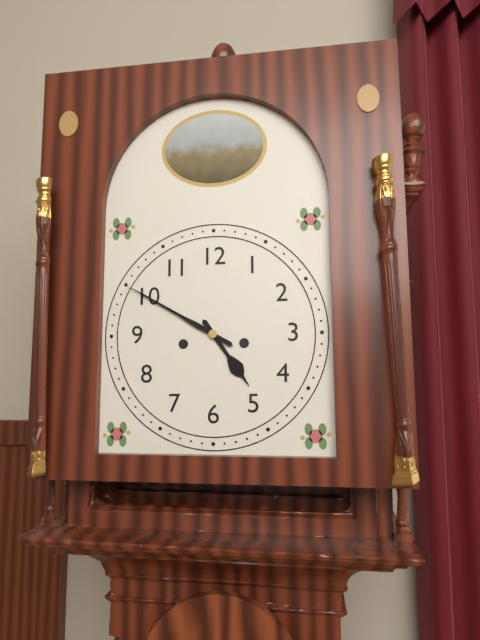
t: 4:50
